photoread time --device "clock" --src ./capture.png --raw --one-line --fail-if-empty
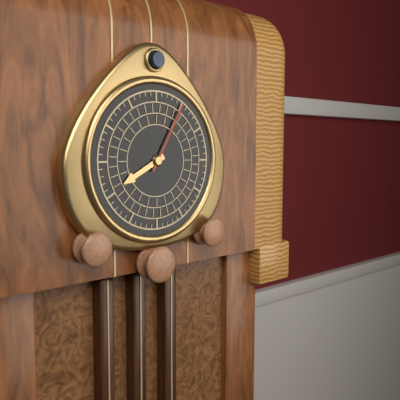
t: 8:05
